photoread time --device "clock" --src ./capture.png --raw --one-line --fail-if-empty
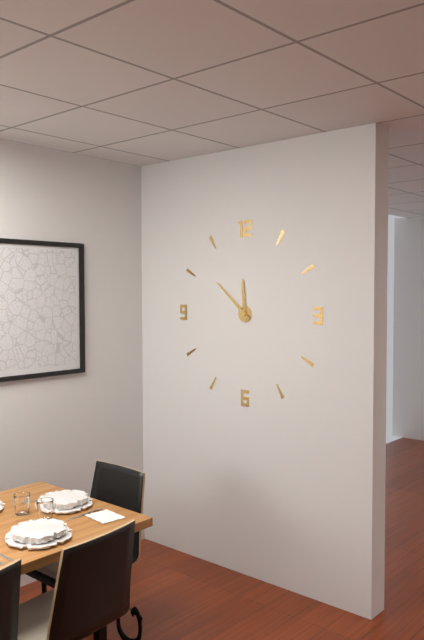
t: 11:52
